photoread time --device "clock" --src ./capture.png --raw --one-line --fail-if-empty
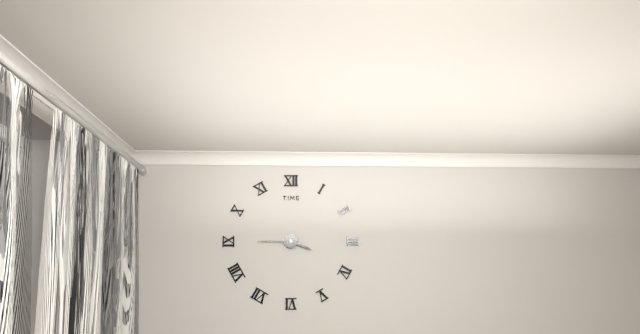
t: 3:45
